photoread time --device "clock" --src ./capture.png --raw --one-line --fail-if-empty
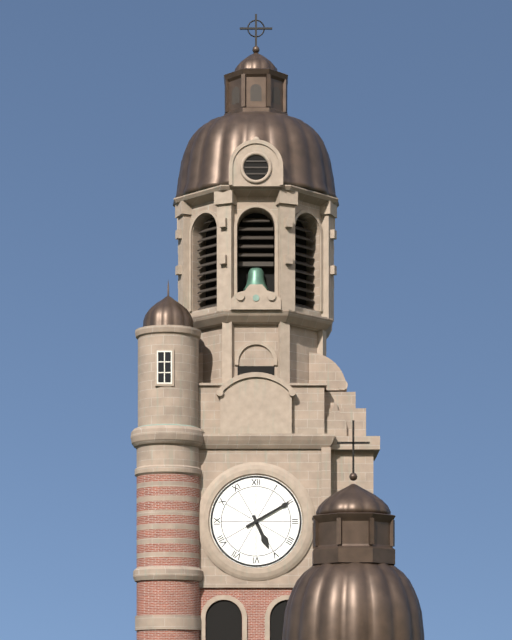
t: 5:10
